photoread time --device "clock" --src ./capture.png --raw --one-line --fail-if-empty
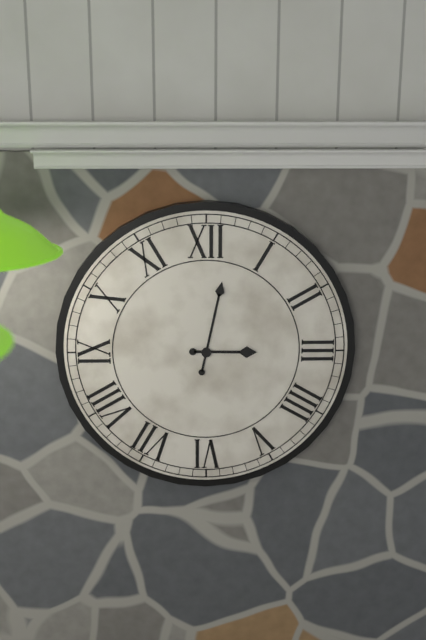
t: 3:02
